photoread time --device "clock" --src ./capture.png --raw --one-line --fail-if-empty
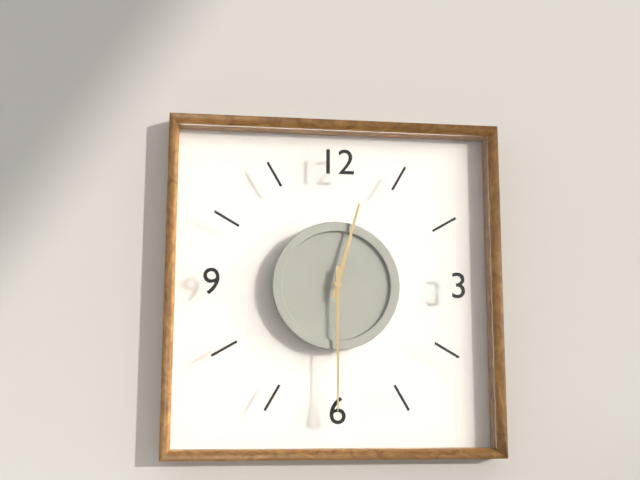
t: 12:30
